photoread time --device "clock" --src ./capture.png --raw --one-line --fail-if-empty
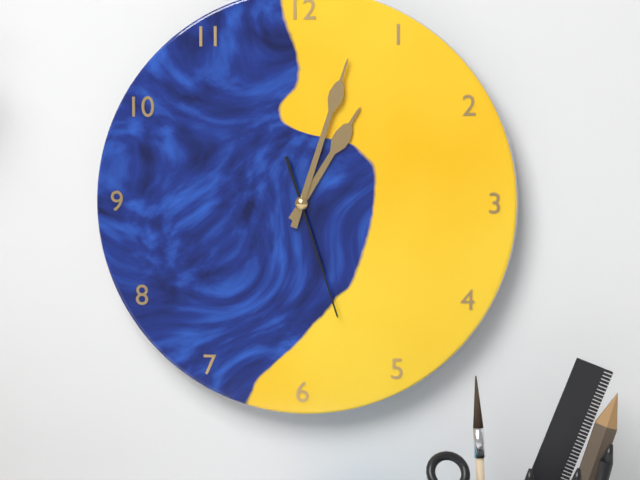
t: 1:03:27
